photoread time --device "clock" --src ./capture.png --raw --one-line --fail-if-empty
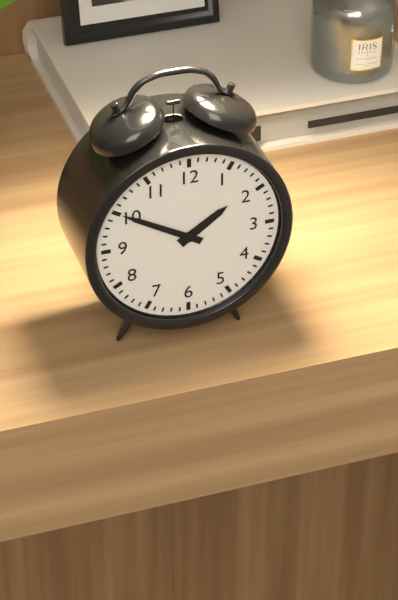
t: 1:50
